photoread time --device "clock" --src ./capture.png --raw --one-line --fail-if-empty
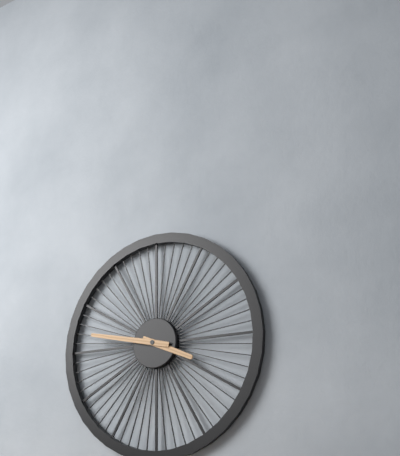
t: 3:47
